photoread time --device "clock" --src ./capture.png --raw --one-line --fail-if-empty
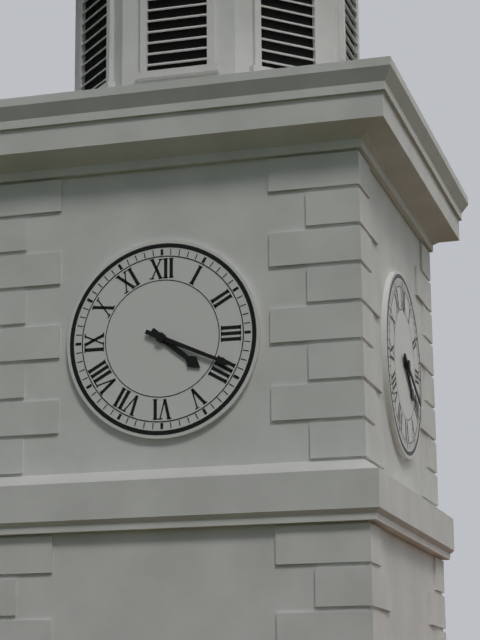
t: 4:19
